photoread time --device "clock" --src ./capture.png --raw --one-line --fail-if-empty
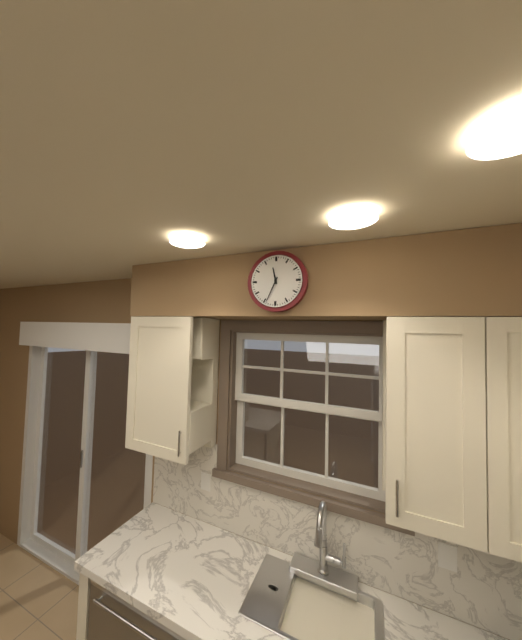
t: 11:34
